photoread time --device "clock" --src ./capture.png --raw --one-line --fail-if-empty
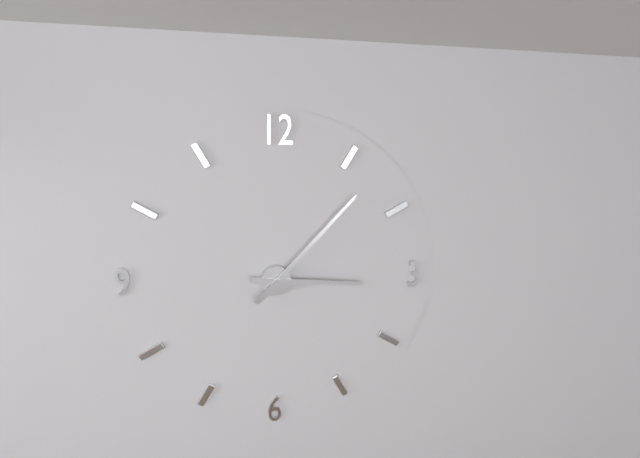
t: 3:07
